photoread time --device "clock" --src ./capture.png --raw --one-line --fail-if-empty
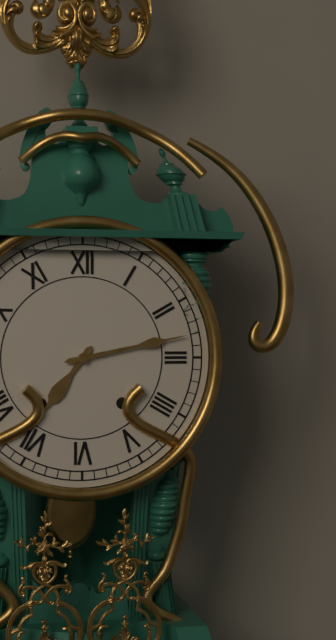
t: 7:13
